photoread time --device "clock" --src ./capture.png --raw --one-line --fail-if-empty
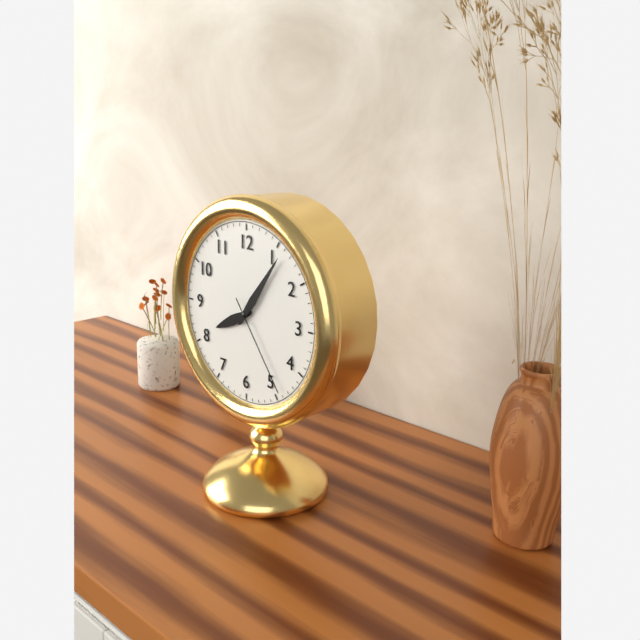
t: 8:06:24
